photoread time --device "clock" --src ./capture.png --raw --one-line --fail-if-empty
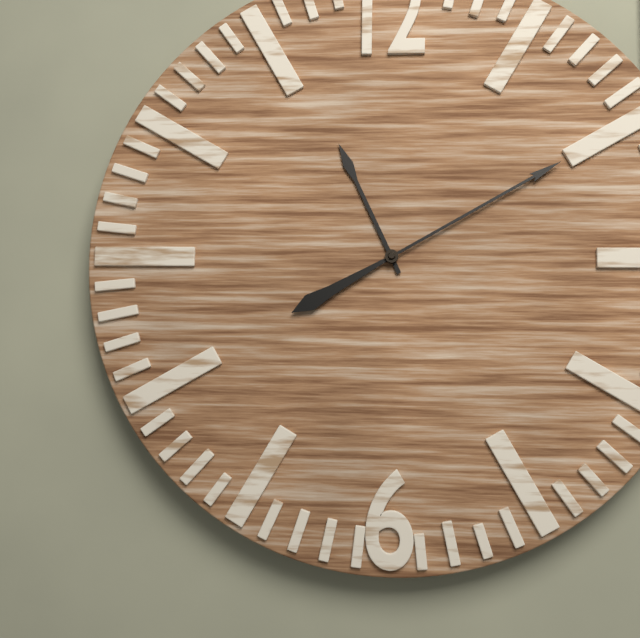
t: 11:10
